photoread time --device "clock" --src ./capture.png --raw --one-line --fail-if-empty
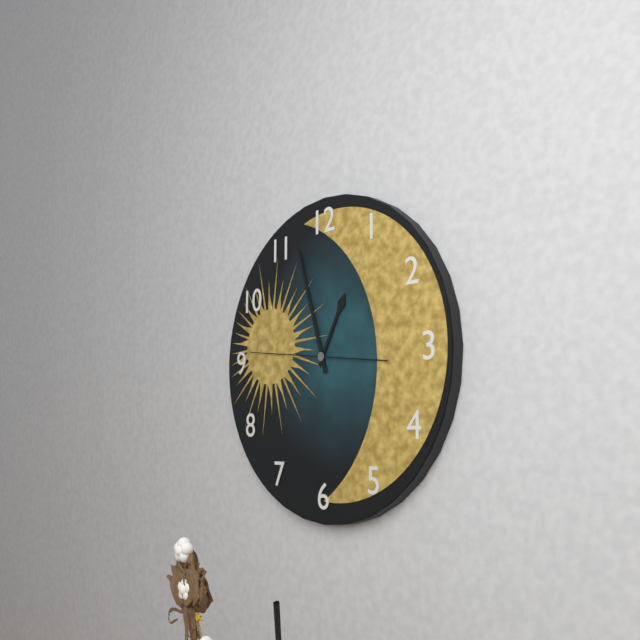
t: 12:57:46
